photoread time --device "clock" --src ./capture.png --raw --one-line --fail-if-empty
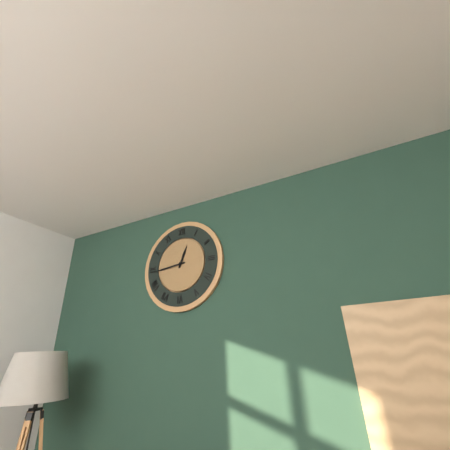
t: 12:44
